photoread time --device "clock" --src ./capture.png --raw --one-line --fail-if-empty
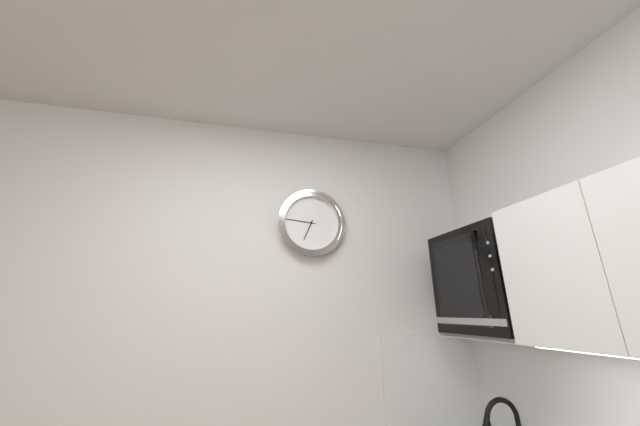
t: 6:46
